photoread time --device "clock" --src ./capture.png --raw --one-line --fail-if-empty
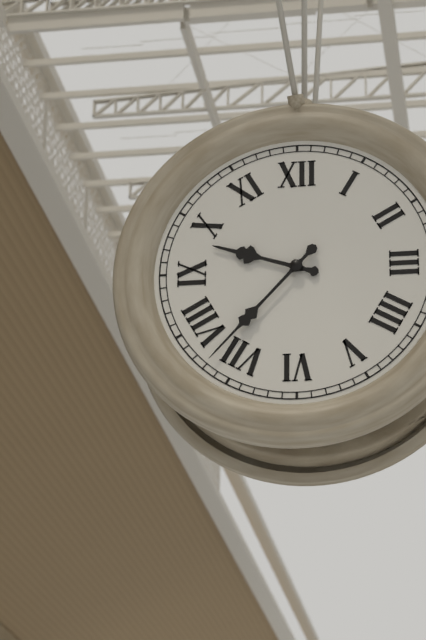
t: 9:37
